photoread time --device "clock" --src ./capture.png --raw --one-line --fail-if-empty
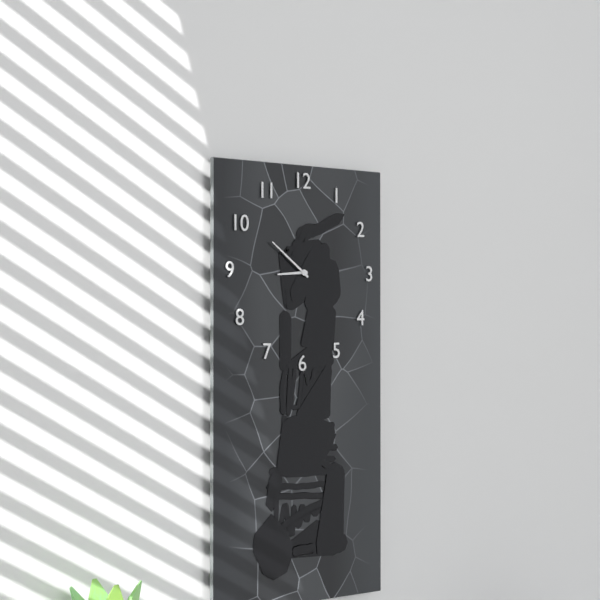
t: 8:51
